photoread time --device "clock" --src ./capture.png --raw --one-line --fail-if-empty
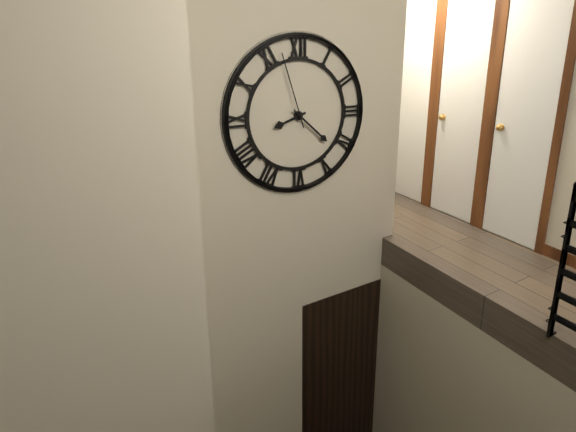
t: 8:22:57
